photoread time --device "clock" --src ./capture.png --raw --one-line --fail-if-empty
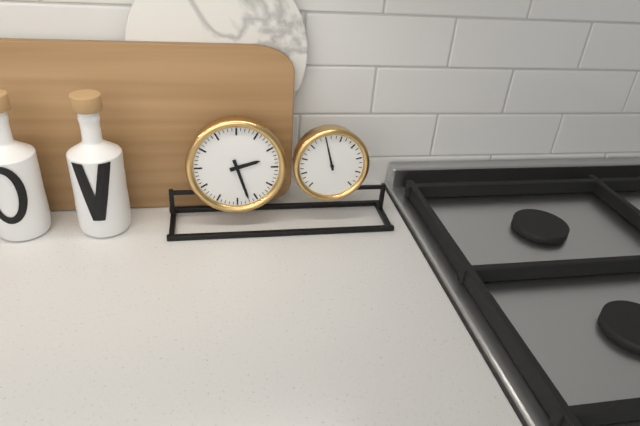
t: 2:27
